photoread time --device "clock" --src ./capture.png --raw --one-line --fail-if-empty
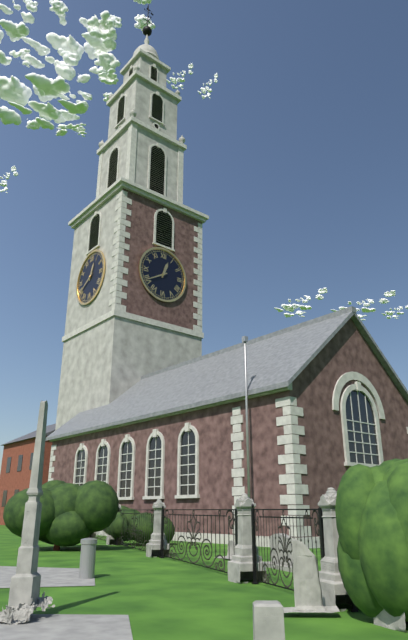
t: 12:40
